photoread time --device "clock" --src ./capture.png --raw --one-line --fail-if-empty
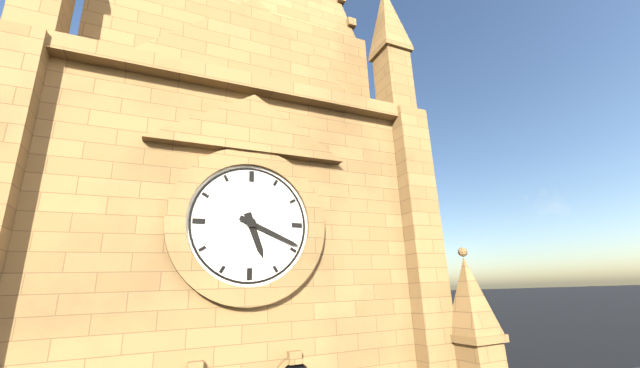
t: 5:19
